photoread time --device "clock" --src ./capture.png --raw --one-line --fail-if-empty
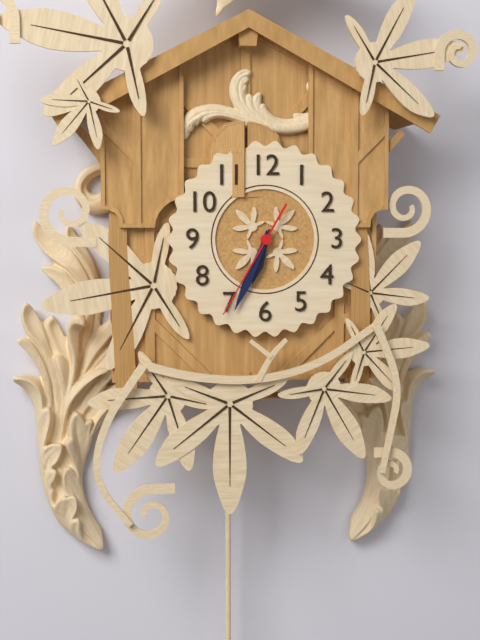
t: 6:34:35
